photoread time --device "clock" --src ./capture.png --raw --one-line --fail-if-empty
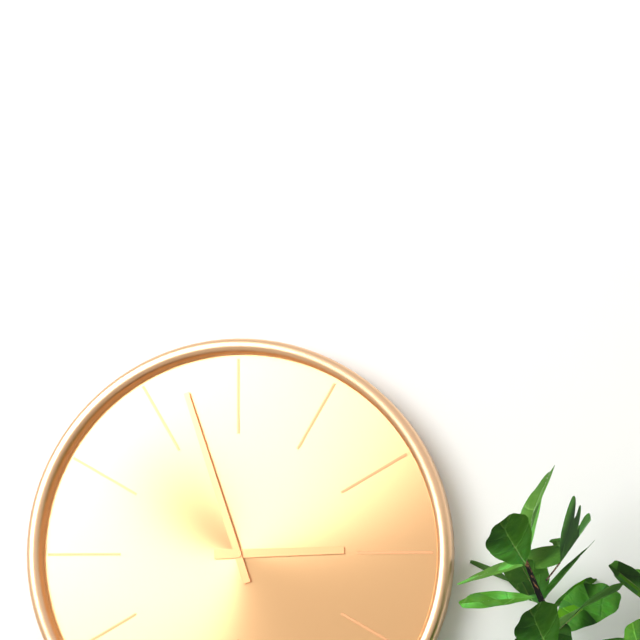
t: 2:57
